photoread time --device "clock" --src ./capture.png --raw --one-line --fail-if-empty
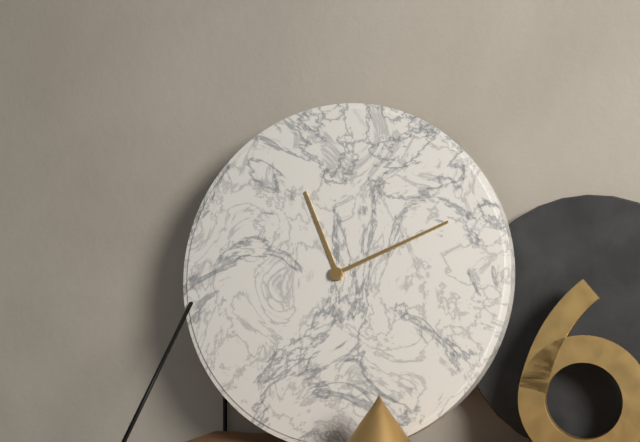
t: 11:11
